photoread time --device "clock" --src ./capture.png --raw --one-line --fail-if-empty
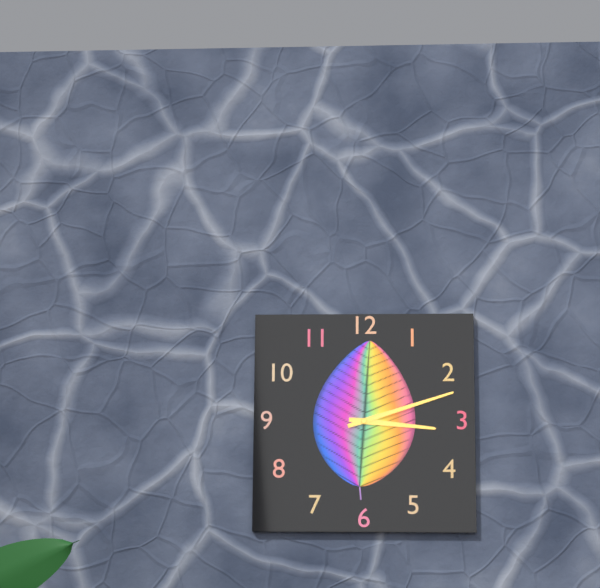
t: 3:12
